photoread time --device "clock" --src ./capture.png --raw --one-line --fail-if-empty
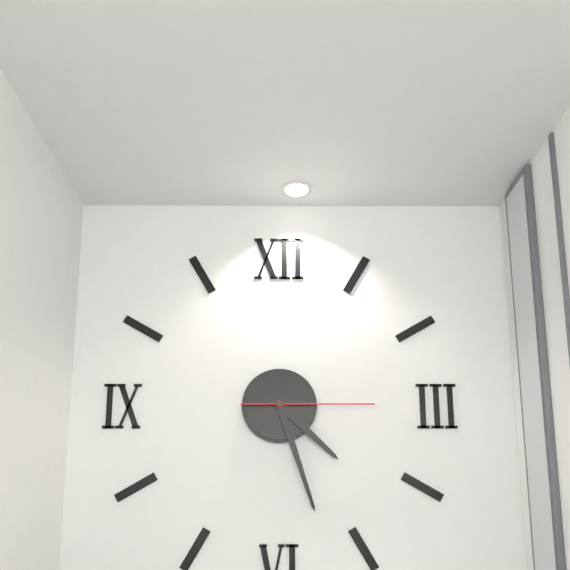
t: 4:27:15
